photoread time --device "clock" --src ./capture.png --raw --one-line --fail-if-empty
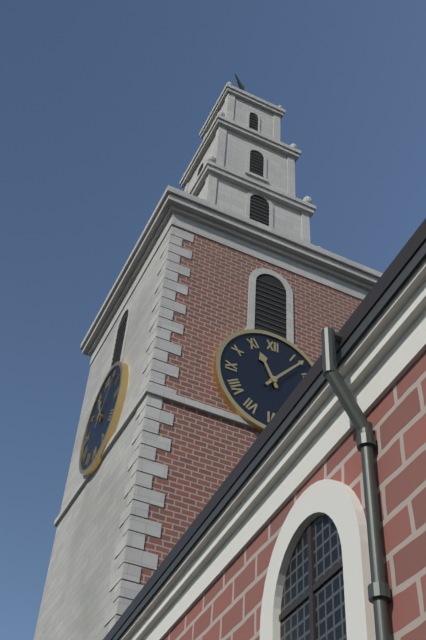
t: 11:07
